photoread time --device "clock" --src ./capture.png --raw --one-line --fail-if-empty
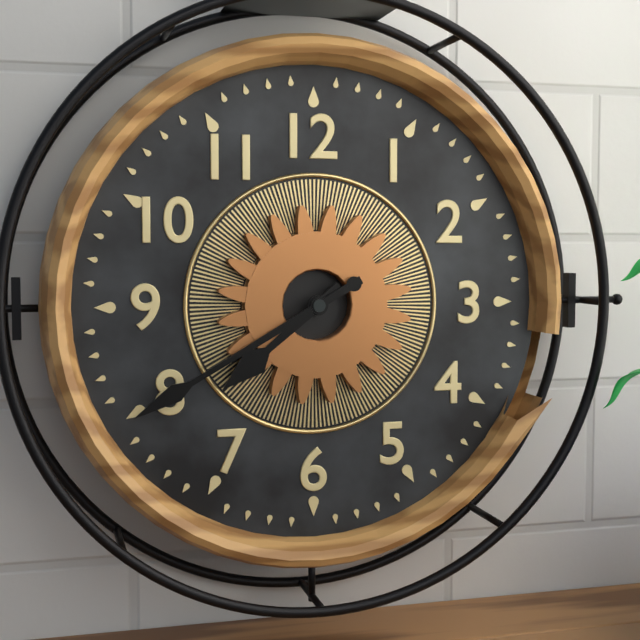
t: 7:40
